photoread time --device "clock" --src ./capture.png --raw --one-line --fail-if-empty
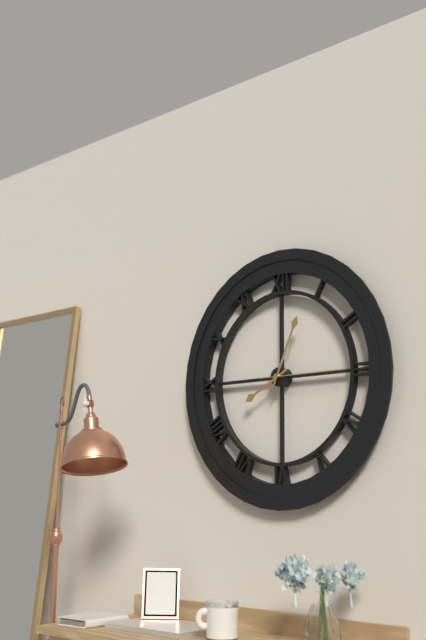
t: 8:04:15
